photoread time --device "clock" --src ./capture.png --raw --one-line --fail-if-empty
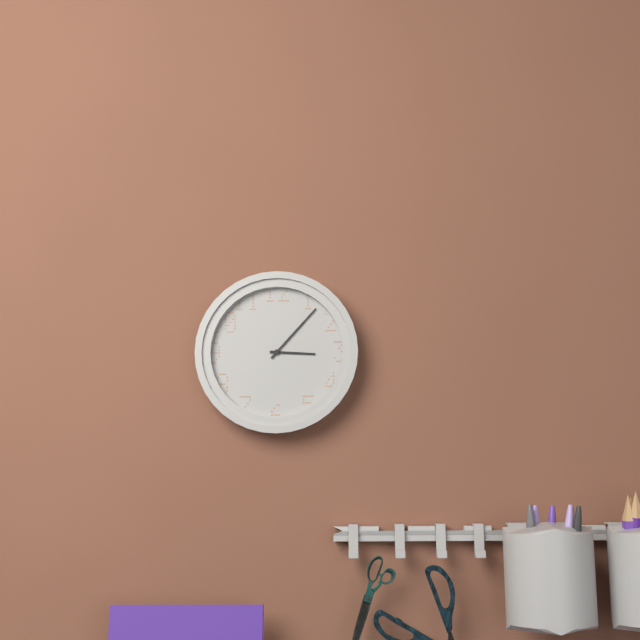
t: 3:07
